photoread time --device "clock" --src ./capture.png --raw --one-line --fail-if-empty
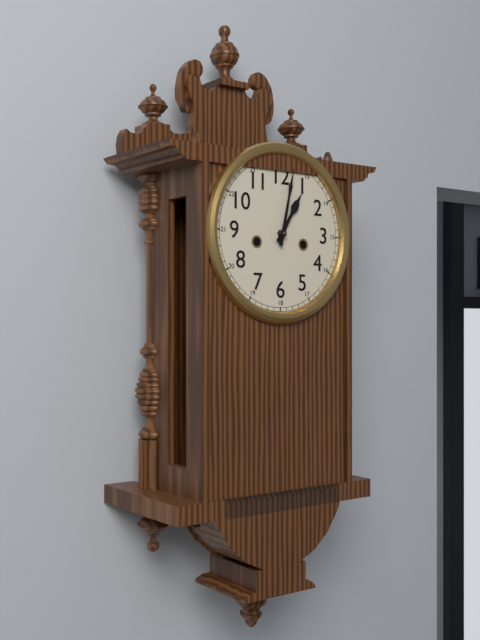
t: 1:02
